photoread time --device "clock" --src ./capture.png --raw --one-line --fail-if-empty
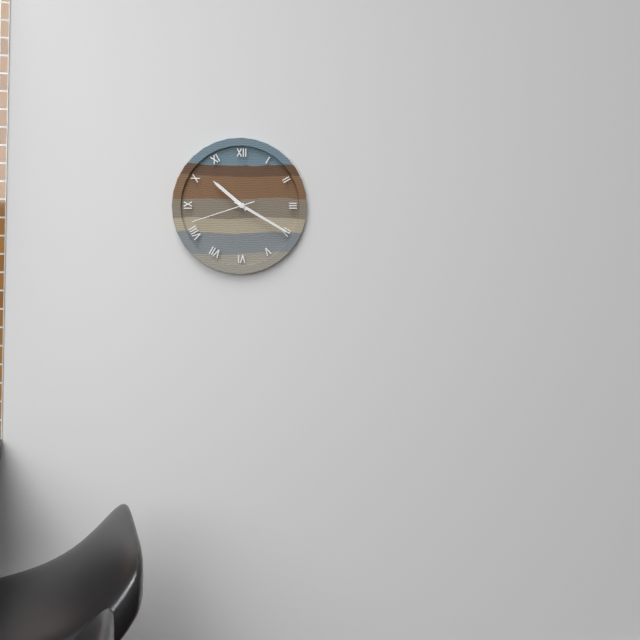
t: 10:20:42
